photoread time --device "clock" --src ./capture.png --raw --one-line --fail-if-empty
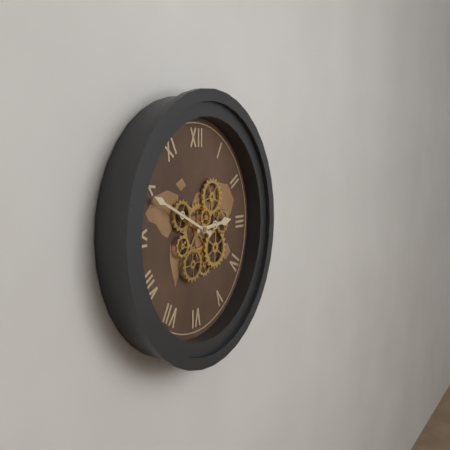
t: 2:49
